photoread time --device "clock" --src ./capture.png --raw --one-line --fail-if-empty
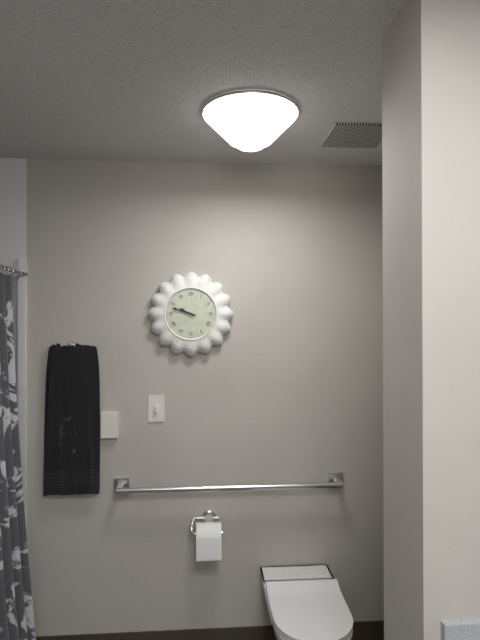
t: 9:48
